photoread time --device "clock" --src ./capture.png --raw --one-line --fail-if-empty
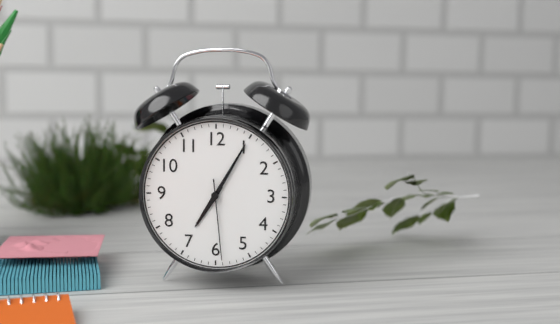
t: 7:05:29
